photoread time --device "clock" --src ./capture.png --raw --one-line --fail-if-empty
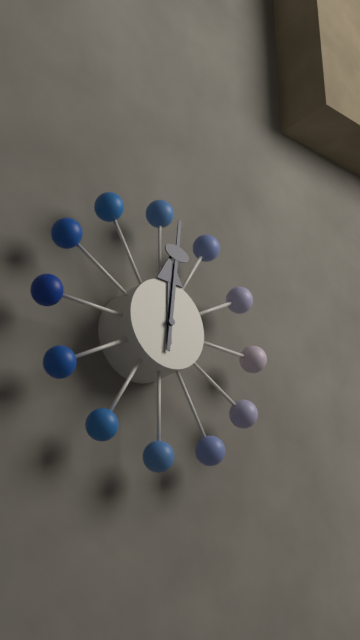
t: 12:01
